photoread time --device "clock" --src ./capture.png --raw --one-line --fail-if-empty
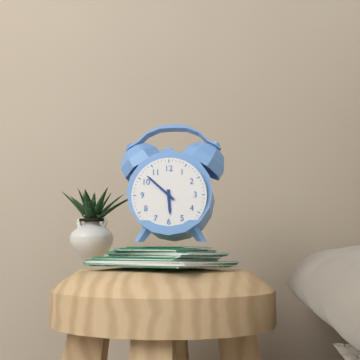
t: 5:52
